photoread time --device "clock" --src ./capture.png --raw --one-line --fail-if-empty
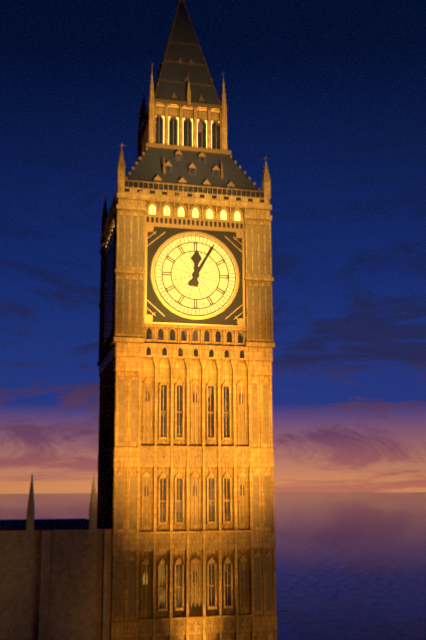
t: 12:05
